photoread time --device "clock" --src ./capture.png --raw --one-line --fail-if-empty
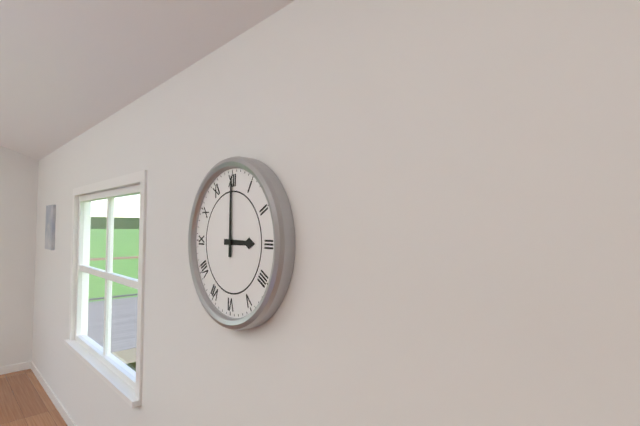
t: 3:00
